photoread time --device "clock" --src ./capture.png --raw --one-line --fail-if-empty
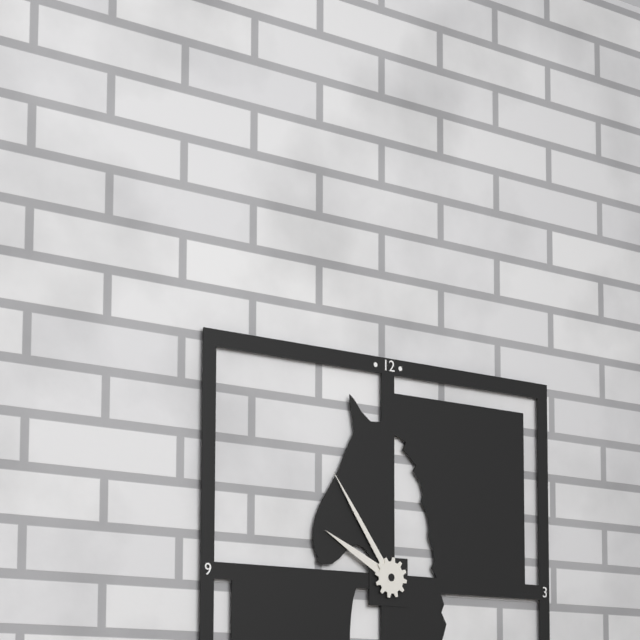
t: 9:54
